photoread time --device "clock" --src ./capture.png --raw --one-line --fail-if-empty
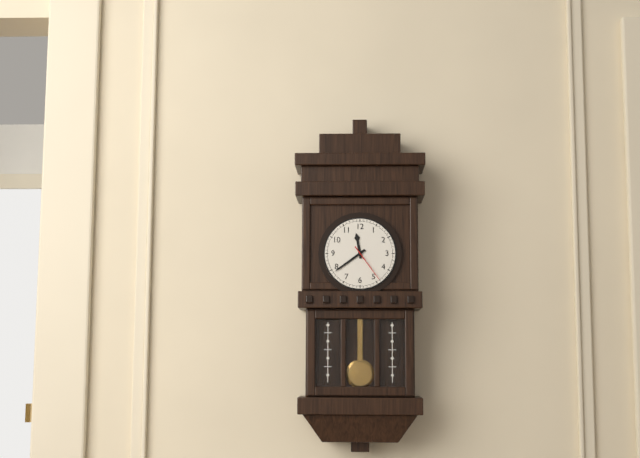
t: 11:39
